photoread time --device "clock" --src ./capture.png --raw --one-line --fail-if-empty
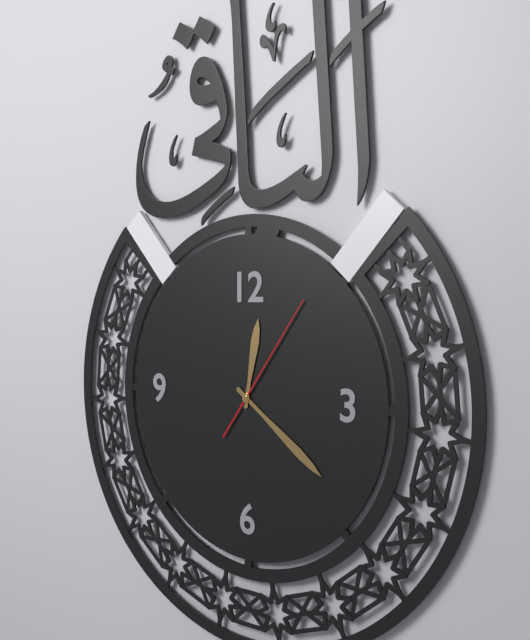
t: 12:21:06
